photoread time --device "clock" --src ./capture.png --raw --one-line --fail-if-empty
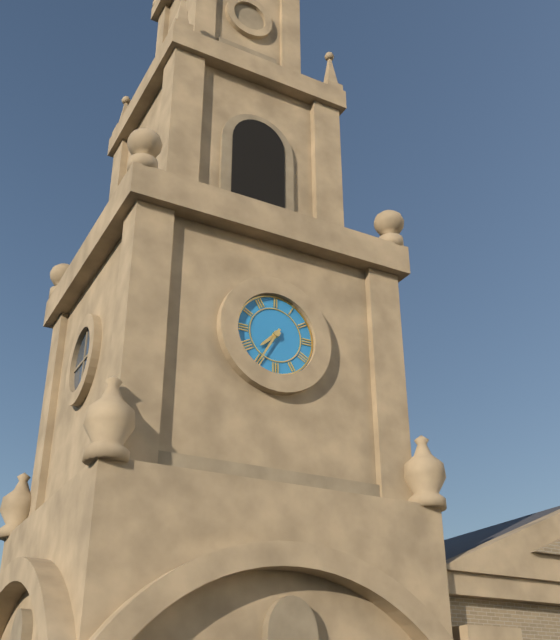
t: 7:35
